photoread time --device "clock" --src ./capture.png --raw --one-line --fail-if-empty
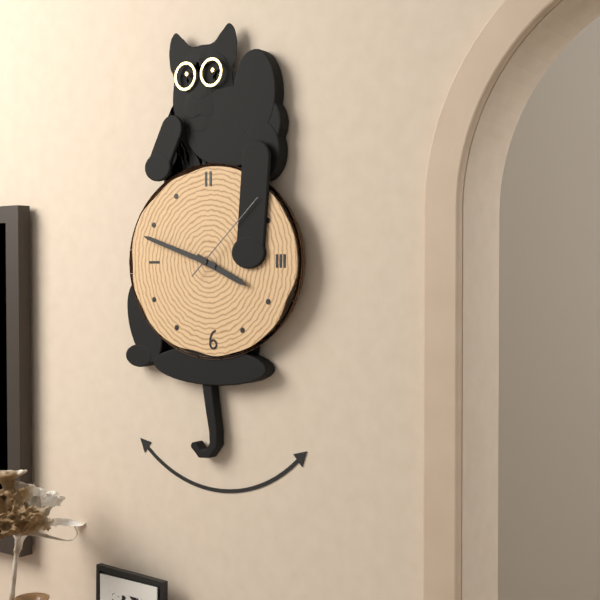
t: 3:48:08
